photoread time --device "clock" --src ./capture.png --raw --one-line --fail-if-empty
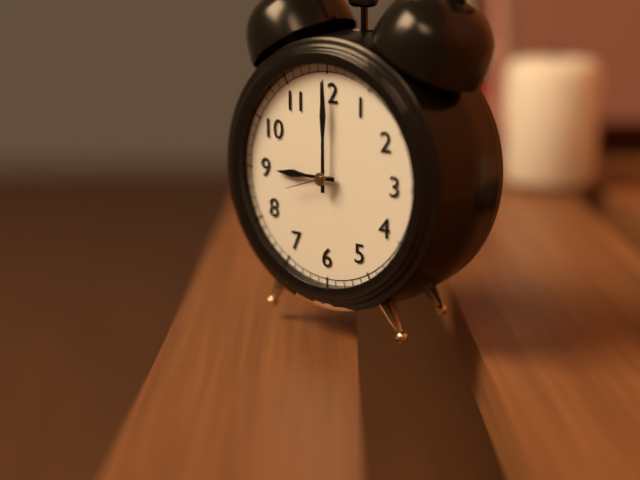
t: 9:00:42
